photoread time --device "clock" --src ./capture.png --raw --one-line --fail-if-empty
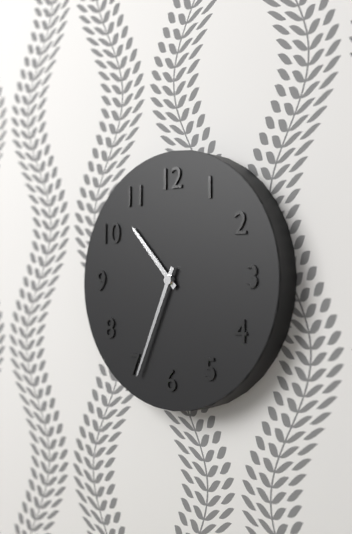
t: 10:34
